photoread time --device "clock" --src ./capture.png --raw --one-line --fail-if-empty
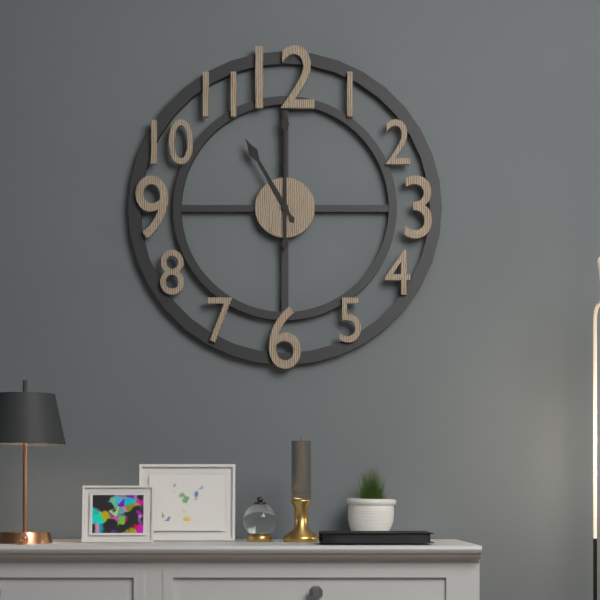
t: 11:00
